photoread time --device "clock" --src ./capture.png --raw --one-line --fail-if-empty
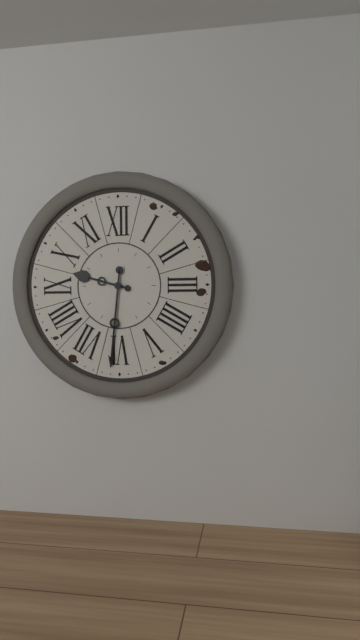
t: 9:31
